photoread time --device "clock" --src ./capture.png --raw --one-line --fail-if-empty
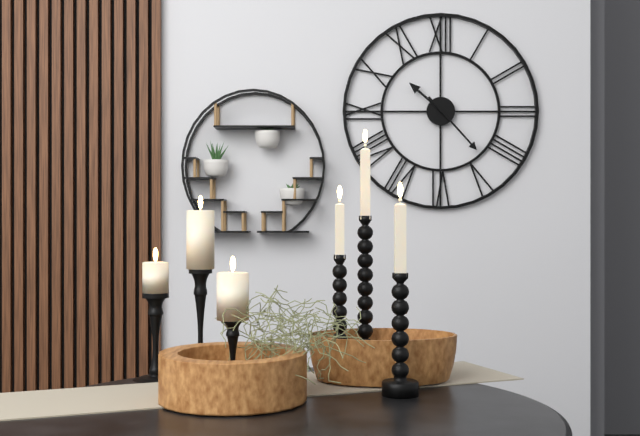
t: 10:23
